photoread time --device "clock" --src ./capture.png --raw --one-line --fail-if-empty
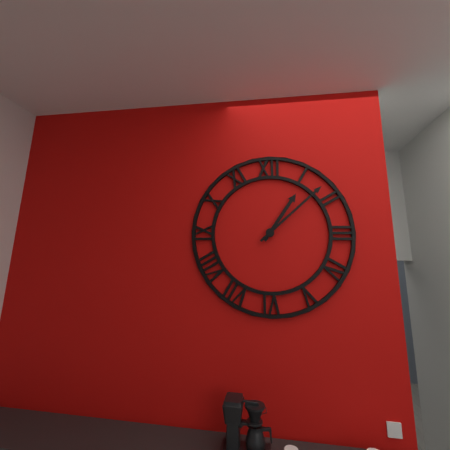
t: 1:08
